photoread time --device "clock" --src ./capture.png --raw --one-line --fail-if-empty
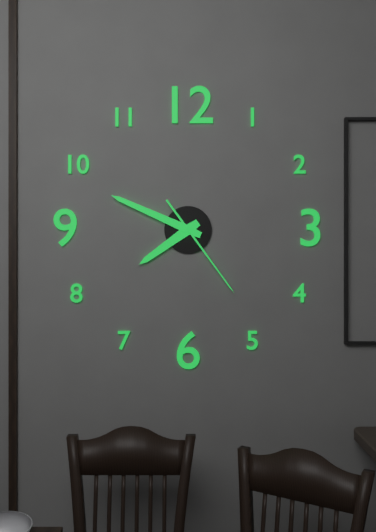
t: 7:49:24
